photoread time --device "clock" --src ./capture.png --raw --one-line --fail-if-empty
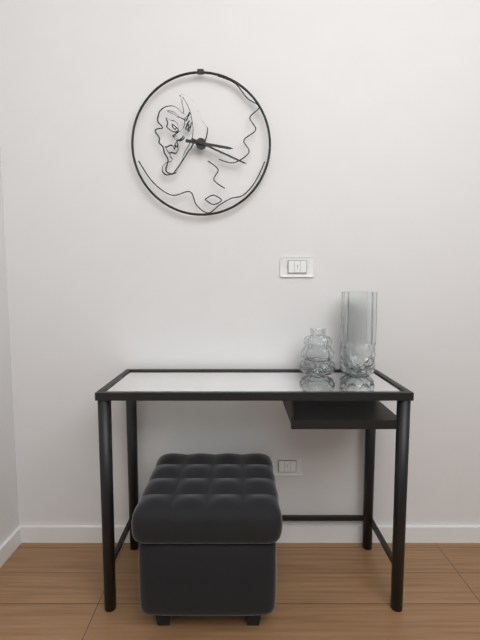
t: 3:19
